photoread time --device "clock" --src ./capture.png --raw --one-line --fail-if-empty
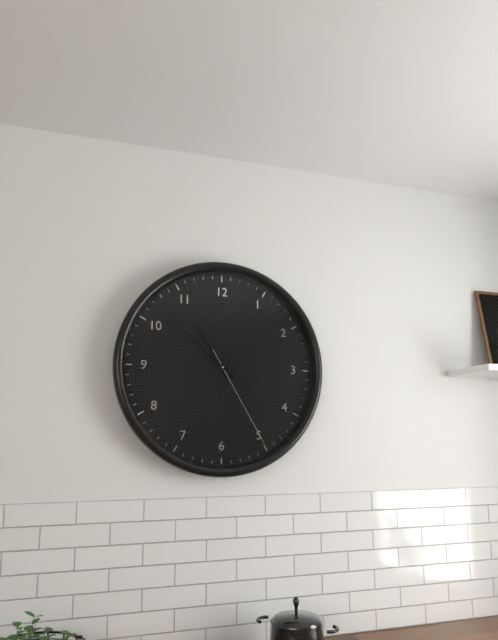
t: 10:52:25
